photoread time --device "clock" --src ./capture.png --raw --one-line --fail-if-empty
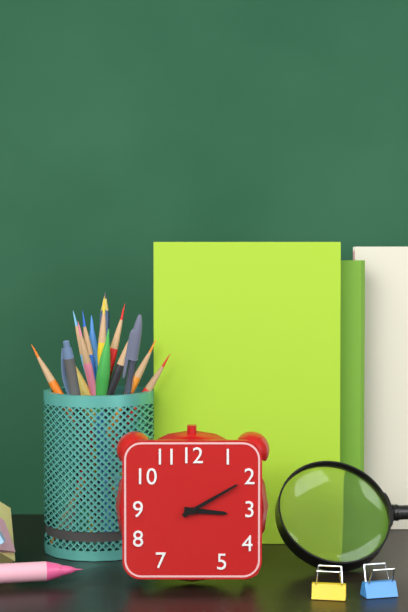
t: 3:10
